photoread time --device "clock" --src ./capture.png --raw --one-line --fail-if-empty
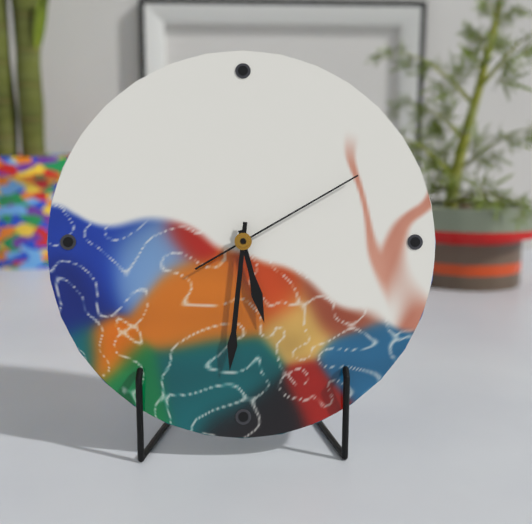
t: 5:31:10
